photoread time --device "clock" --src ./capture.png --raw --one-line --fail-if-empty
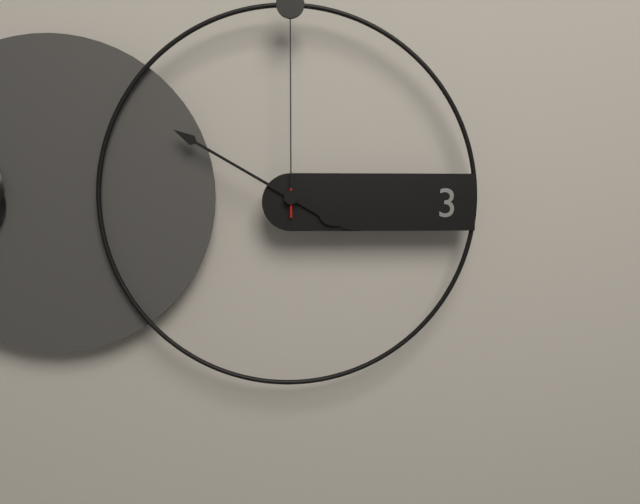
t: 3:50
